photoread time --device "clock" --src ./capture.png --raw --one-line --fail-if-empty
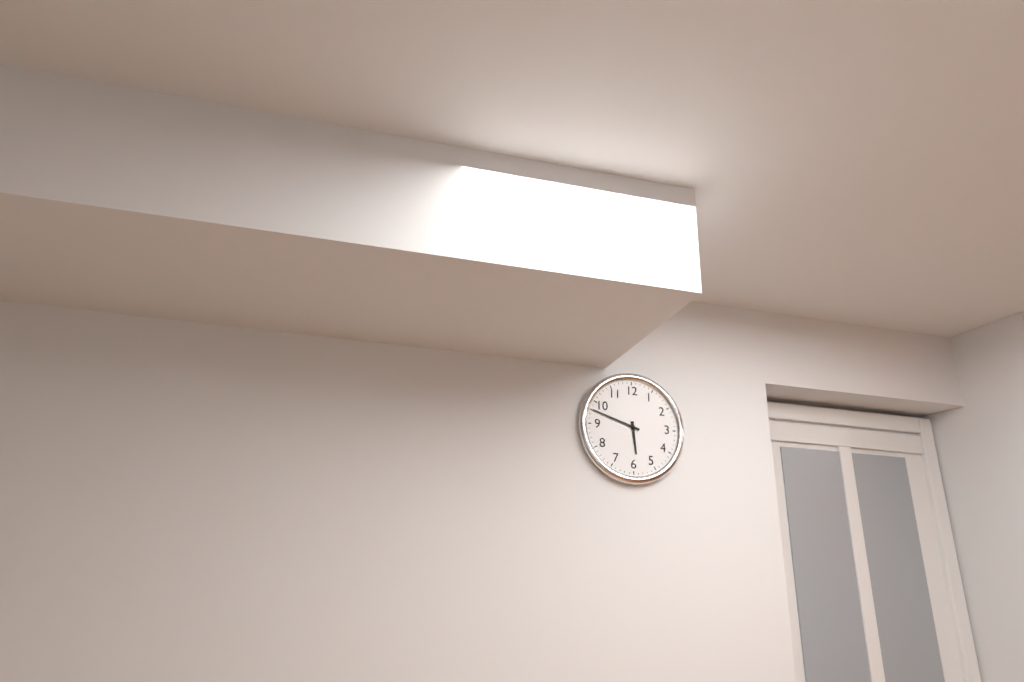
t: 5:48
